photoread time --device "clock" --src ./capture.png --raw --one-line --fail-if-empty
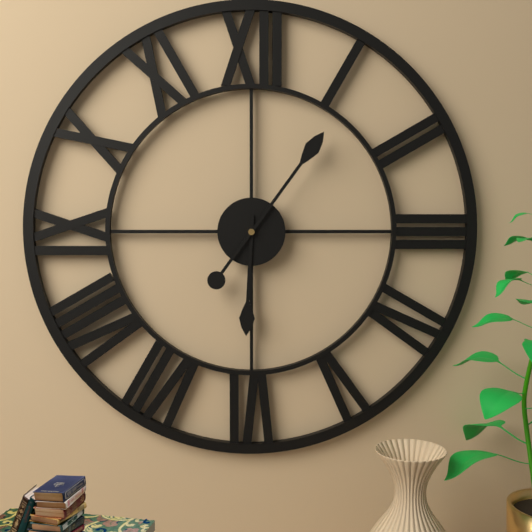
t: 6:06
